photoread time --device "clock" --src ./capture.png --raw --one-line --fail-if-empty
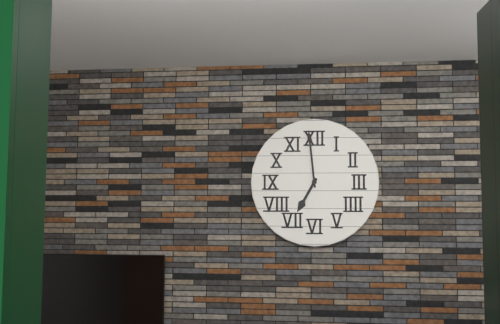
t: 6:59
